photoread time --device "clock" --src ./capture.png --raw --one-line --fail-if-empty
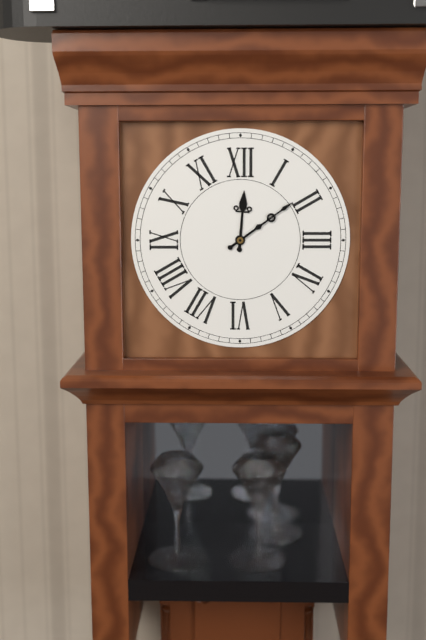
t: 12:09
